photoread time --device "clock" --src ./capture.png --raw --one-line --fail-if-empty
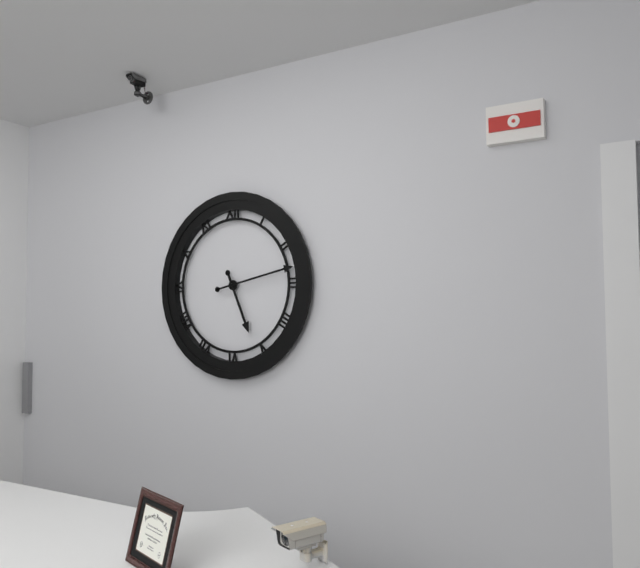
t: 5:13
